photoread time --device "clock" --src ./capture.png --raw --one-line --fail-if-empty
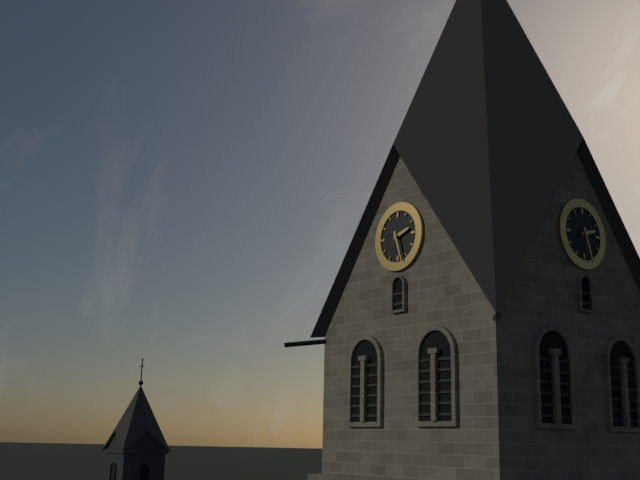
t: 2:27
